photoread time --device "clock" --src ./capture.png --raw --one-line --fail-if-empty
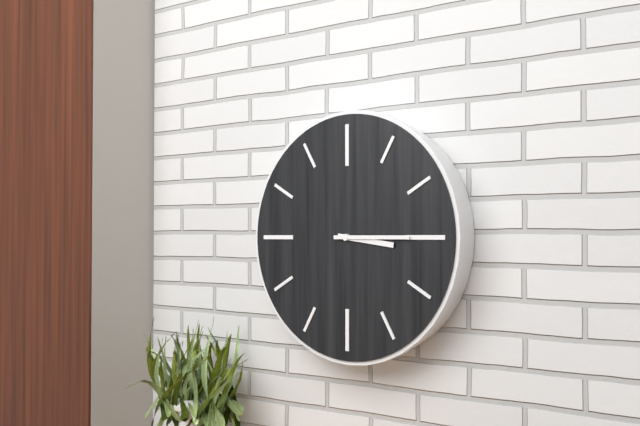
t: 3:15
